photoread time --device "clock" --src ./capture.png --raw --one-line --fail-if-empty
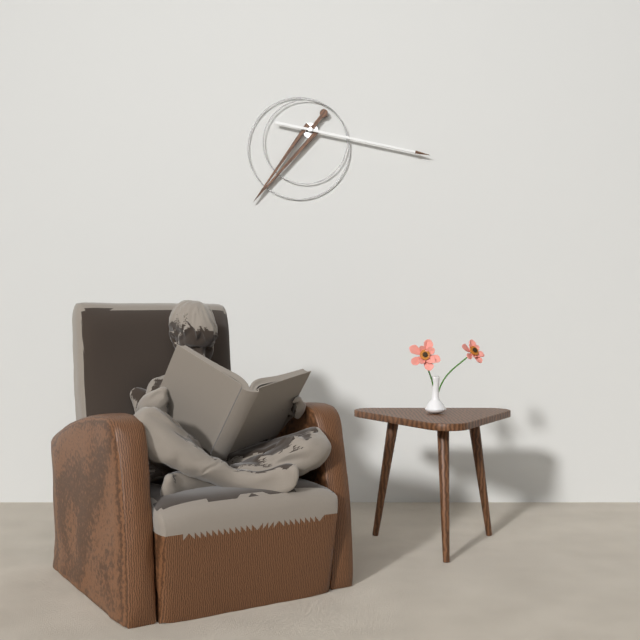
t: 7:17
